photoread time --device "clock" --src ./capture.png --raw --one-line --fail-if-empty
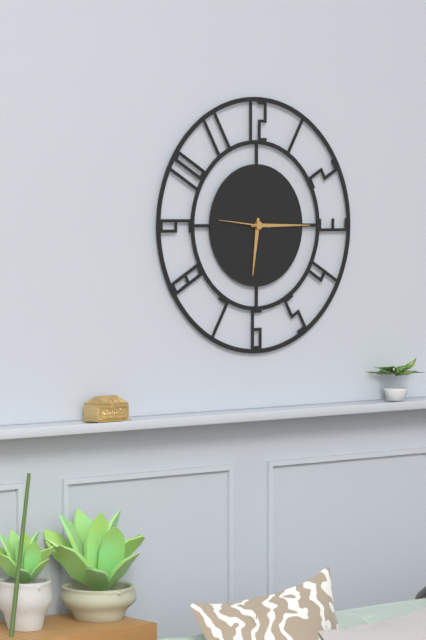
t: 6:15:46
